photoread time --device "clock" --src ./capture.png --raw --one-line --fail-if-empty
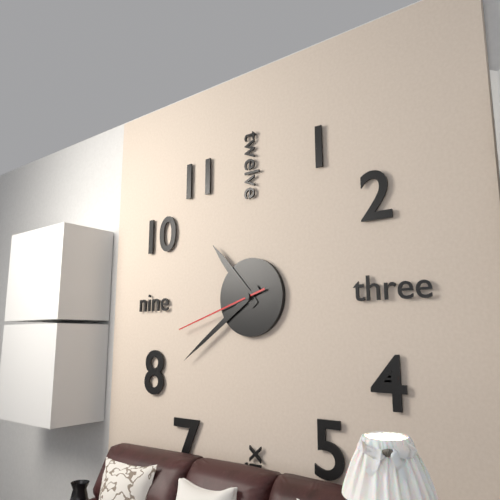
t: 10:39:42
